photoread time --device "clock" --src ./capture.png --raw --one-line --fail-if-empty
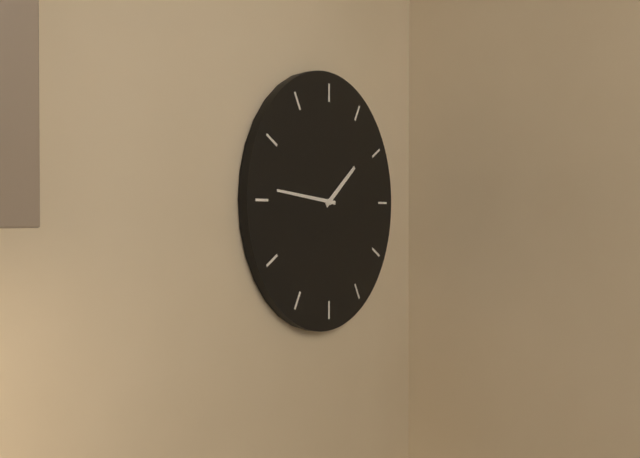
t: 1:46
